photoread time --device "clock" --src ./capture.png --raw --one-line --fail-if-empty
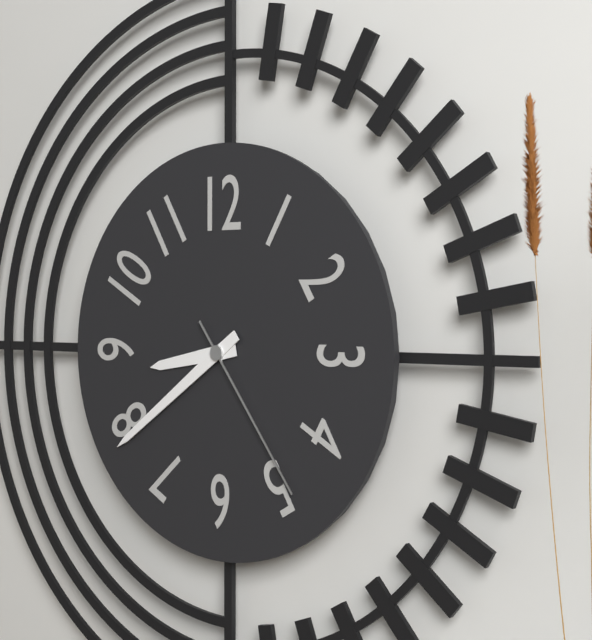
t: 8:39:24
